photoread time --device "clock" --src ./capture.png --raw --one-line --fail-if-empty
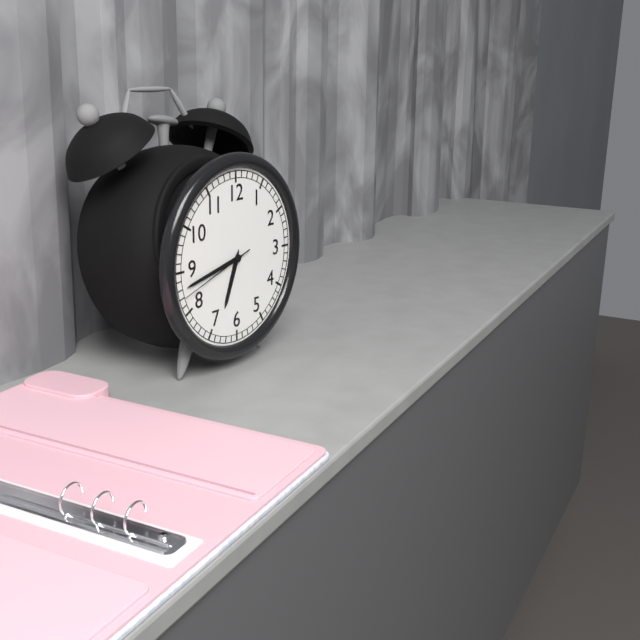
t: 6:43:42
